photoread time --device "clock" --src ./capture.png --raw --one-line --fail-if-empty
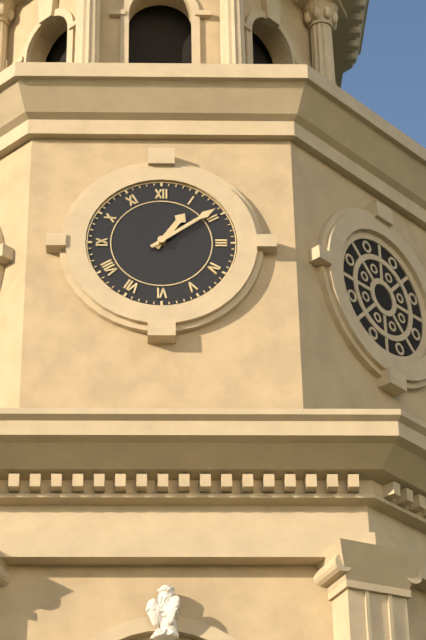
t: 1:09
